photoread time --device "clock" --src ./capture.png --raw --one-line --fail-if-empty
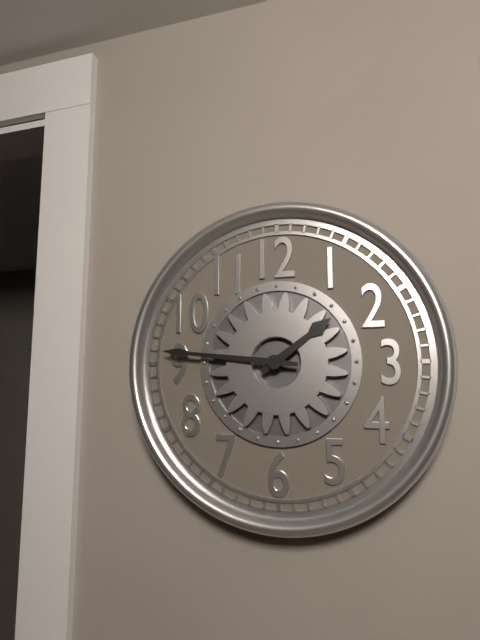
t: 1:46
